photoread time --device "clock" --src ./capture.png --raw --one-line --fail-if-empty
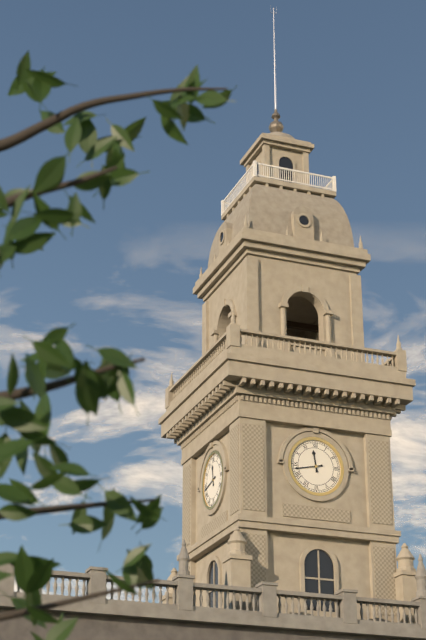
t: 11:43
